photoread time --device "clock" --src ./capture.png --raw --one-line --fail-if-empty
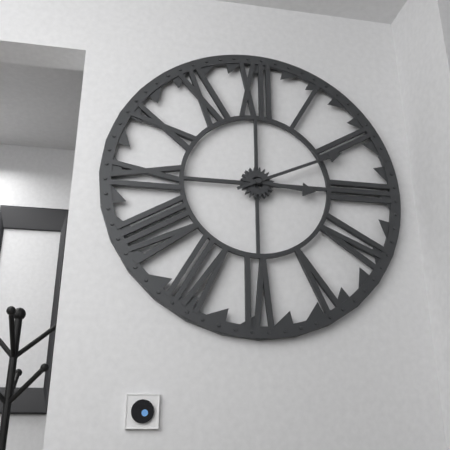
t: 3:11
